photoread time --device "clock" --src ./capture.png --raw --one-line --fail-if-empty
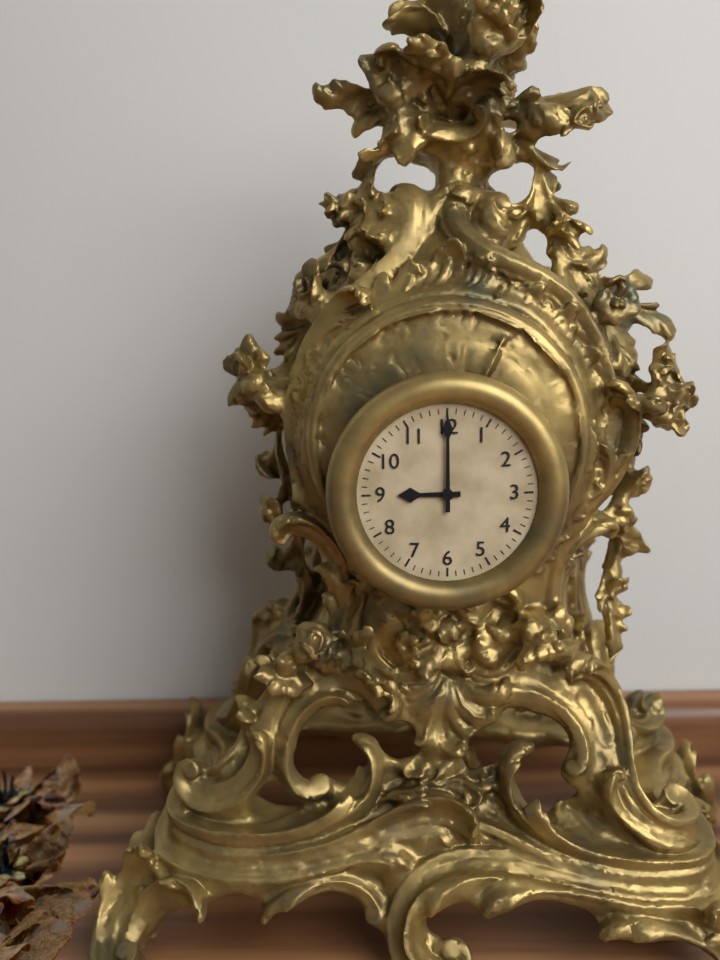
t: 9:00
